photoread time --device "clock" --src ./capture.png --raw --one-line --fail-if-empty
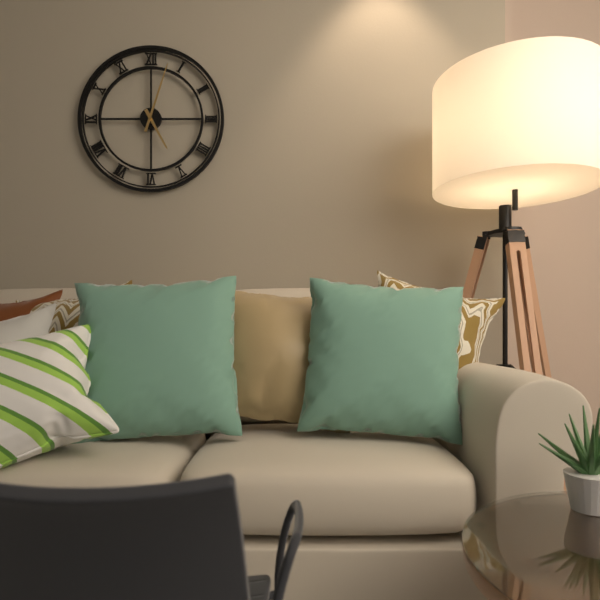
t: 5:03
